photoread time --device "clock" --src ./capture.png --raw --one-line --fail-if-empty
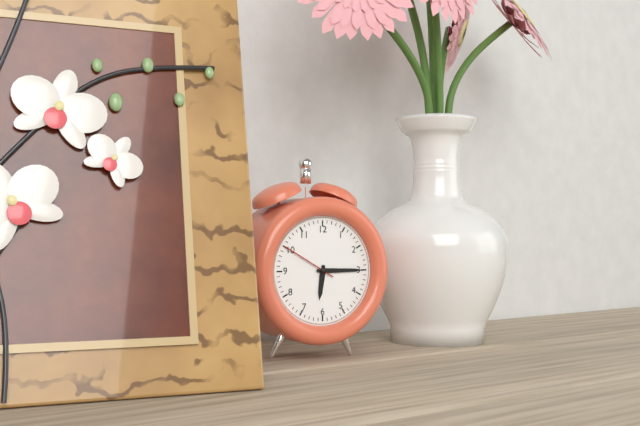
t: 6:15:50
